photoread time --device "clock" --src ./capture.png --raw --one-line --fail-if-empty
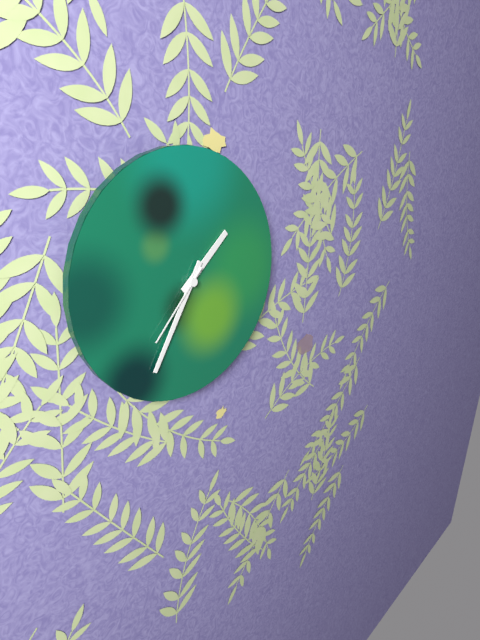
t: 1:35:37
